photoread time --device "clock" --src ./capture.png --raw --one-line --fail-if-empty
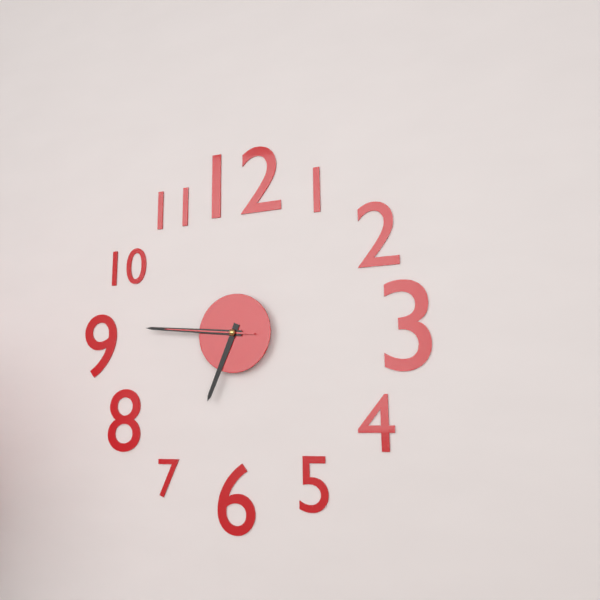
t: 6:46:46
